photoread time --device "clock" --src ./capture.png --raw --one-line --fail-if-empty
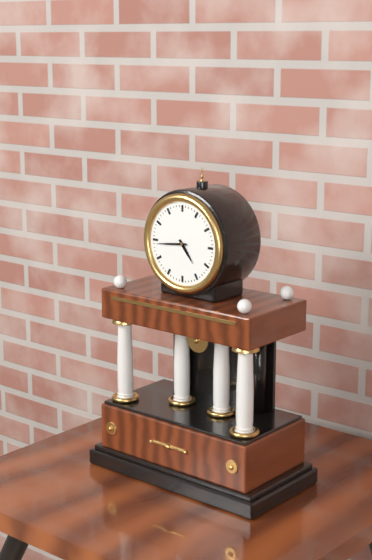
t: 4:44
